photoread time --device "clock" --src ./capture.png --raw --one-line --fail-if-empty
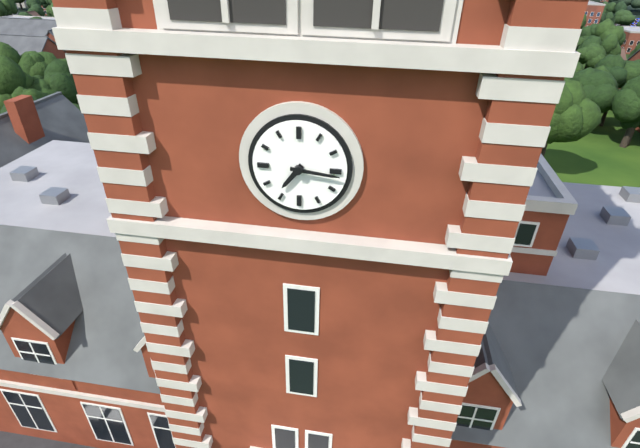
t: 7:16
